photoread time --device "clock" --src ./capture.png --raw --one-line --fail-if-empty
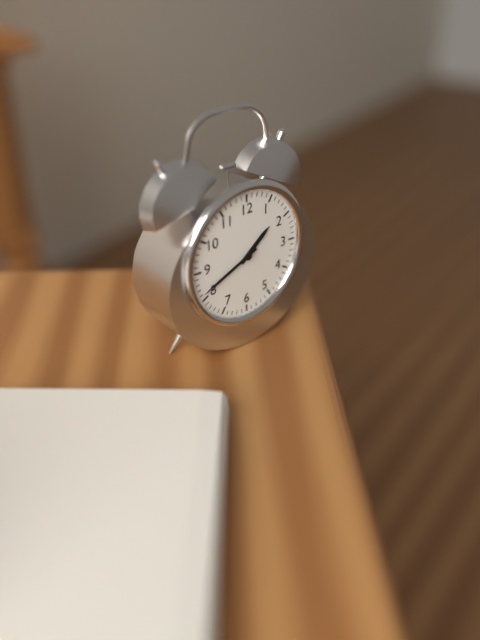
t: 1:41
